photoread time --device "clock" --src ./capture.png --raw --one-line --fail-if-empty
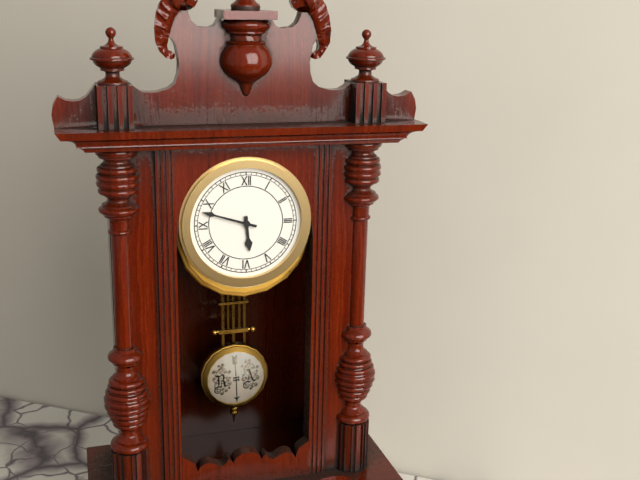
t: 5:48
